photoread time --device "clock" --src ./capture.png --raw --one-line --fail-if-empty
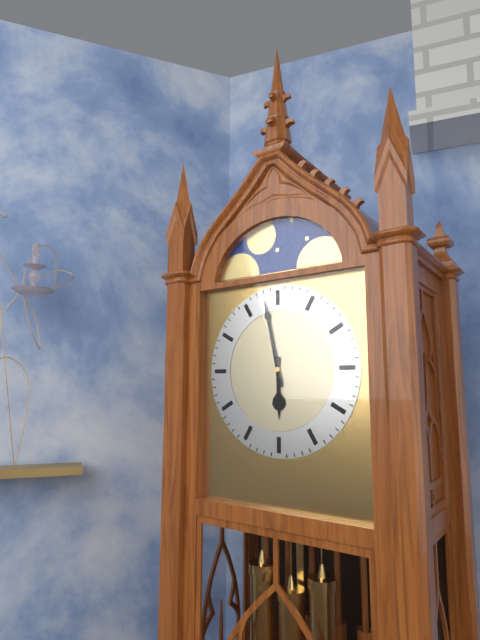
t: 5:58
